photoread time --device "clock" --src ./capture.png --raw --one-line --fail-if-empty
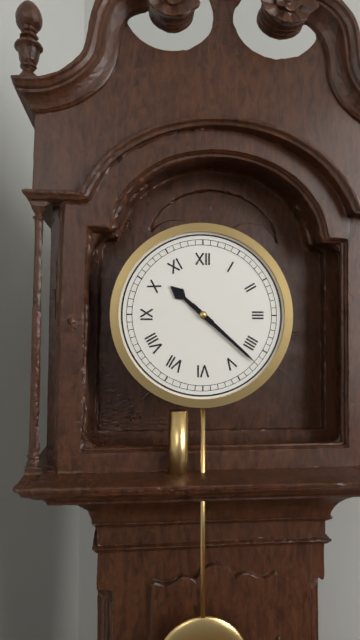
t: 10:22
